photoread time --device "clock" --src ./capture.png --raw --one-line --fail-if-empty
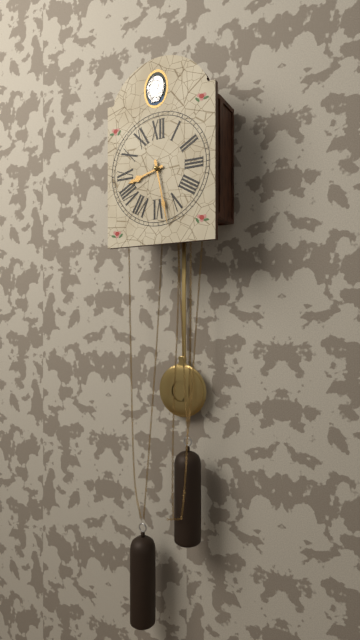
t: 8:28
